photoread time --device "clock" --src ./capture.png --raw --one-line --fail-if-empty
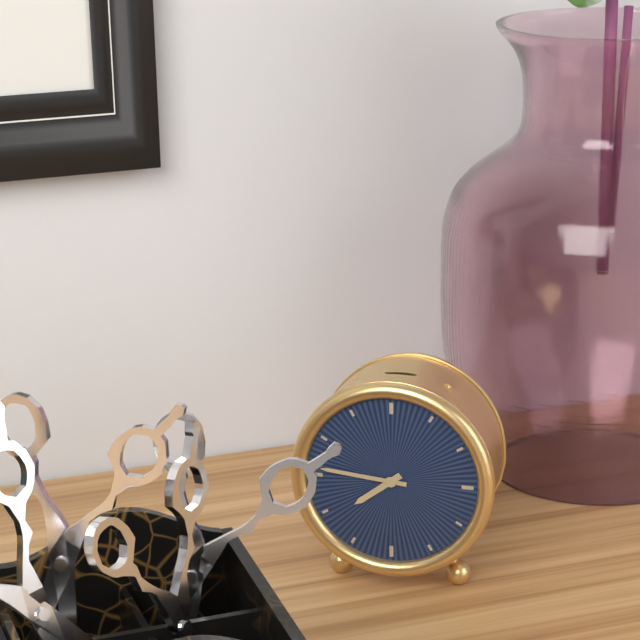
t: 7:46
